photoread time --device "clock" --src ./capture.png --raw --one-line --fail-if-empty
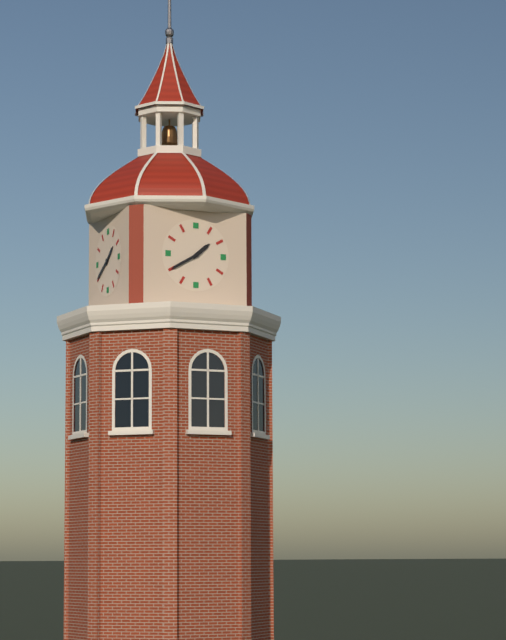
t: 1:40
